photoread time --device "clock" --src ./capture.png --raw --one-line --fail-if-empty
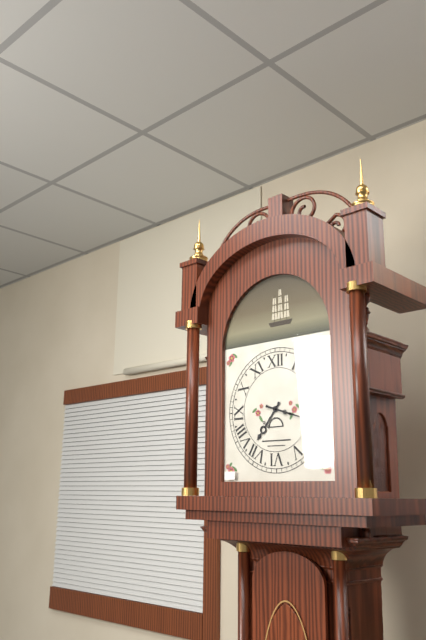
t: 7:18
